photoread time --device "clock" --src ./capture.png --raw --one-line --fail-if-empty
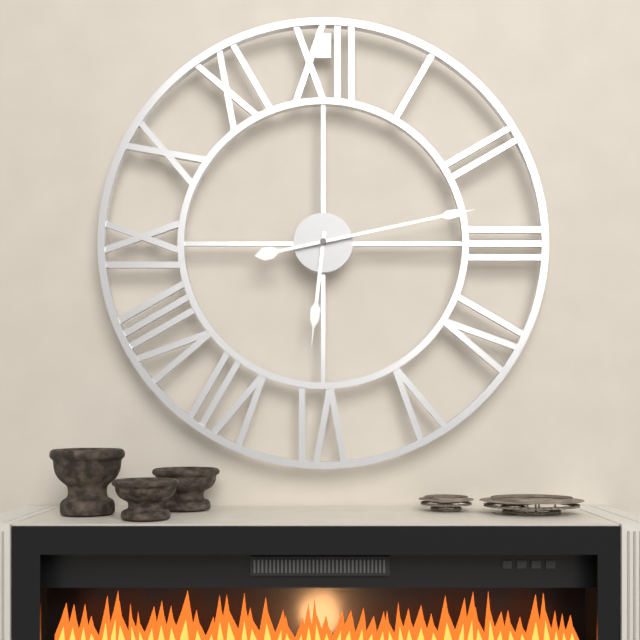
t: 6:13
